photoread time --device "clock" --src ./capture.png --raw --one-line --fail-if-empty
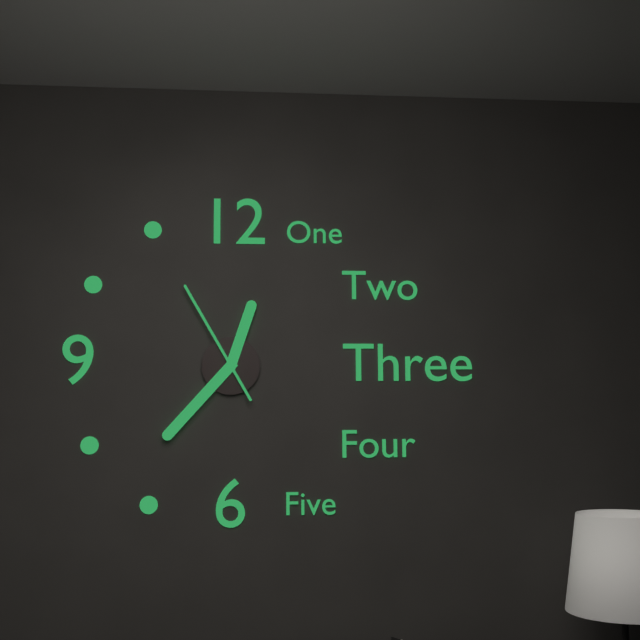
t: 12:37:55
